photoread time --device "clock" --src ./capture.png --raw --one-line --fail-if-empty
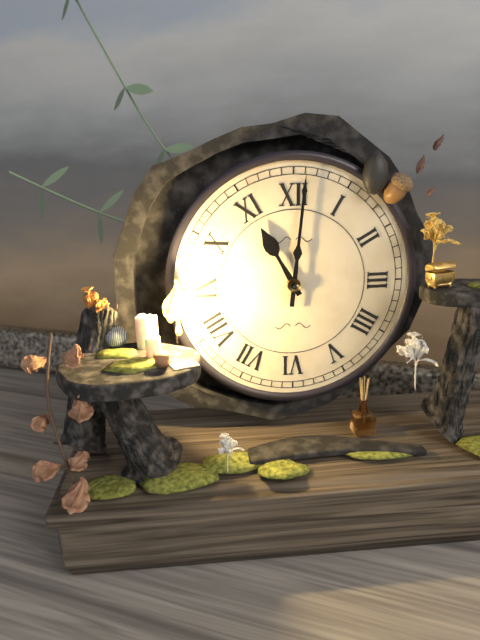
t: 11:01
